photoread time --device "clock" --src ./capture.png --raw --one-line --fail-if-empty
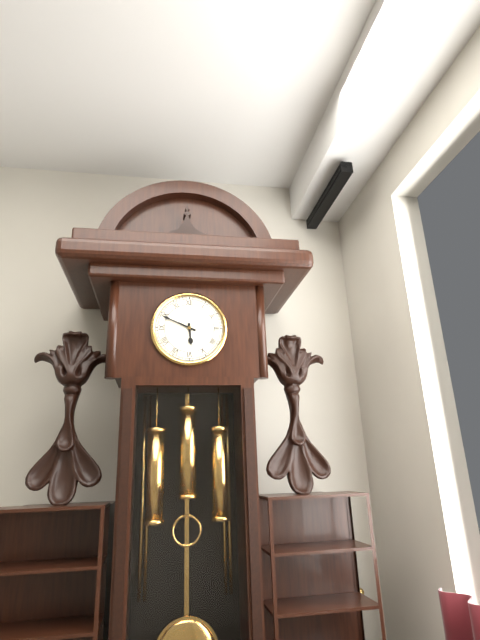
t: 5:49
